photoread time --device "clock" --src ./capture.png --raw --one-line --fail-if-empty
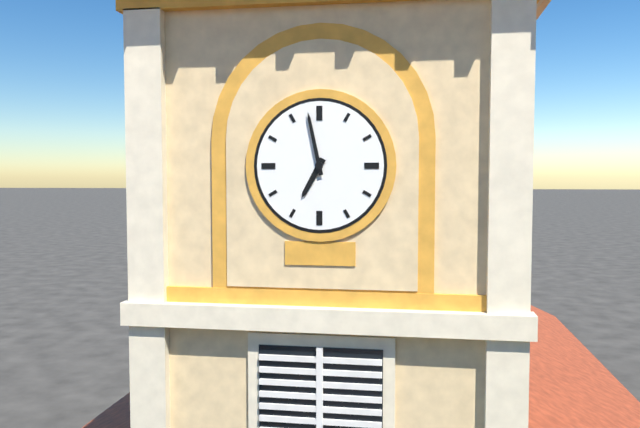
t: 6:58
